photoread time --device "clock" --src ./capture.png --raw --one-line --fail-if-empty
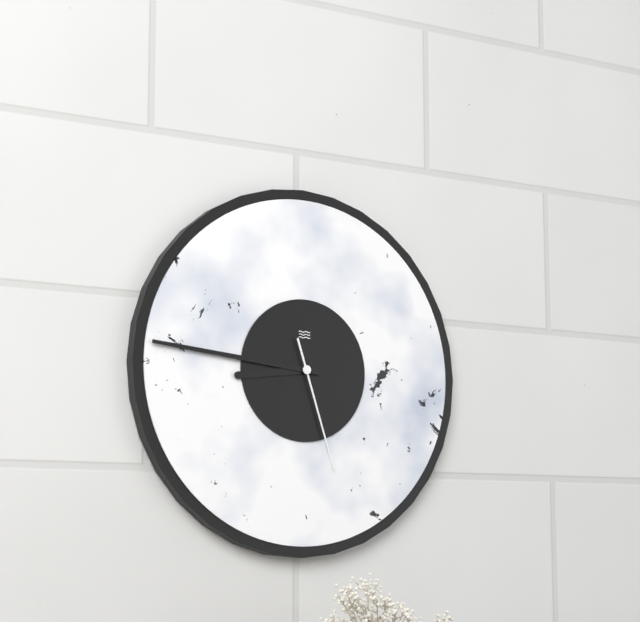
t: 8:46:27
